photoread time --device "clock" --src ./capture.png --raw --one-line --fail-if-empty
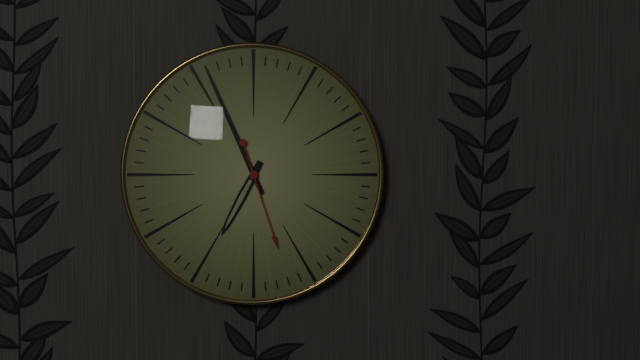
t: 6:56:27
